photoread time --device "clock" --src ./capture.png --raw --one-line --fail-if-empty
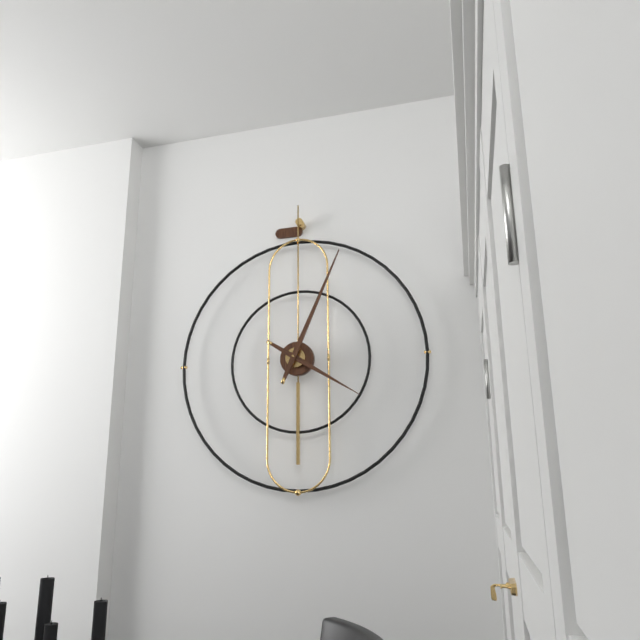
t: 4:04
